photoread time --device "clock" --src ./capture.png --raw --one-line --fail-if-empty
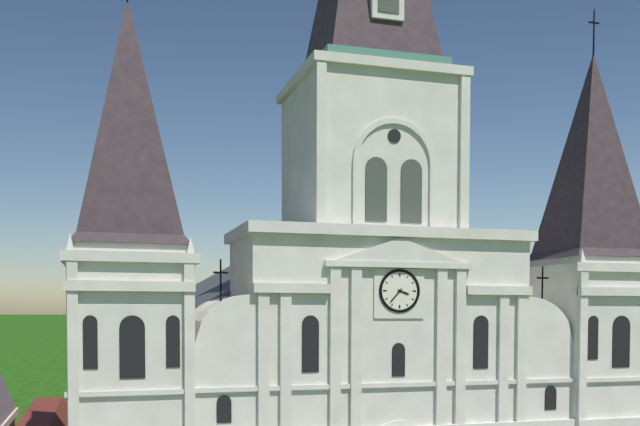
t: 3:37
